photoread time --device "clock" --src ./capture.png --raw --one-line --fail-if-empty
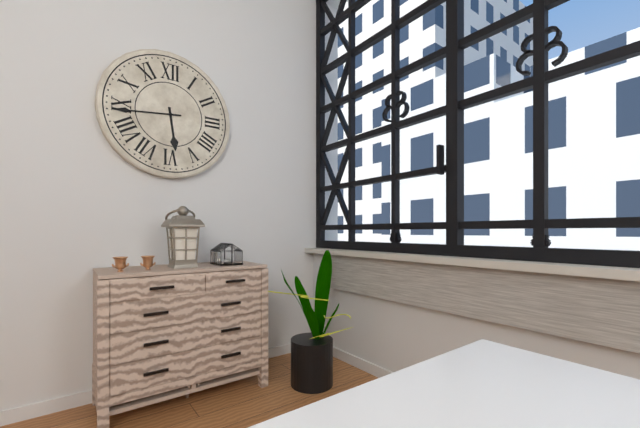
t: 5:44
